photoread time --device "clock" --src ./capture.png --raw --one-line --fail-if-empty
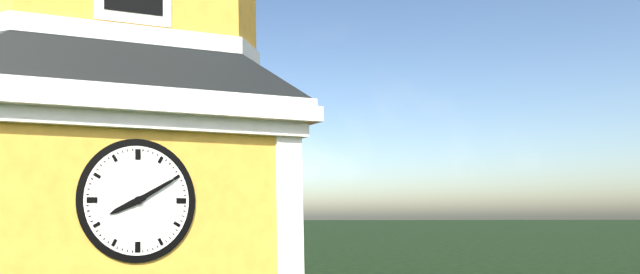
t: 8:10
